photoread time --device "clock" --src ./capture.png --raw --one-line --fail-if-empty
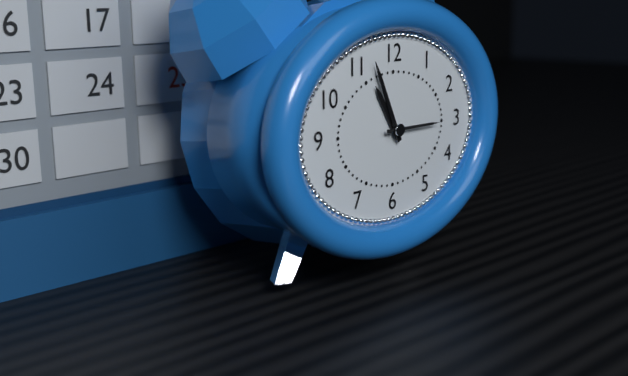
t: 10:56:15
